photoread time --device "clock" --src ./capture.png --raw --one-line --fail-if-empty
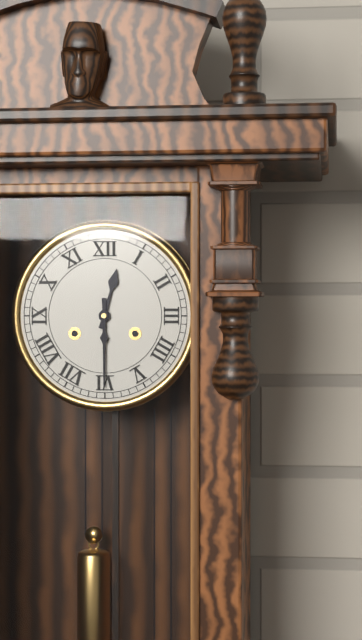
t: 12:30
